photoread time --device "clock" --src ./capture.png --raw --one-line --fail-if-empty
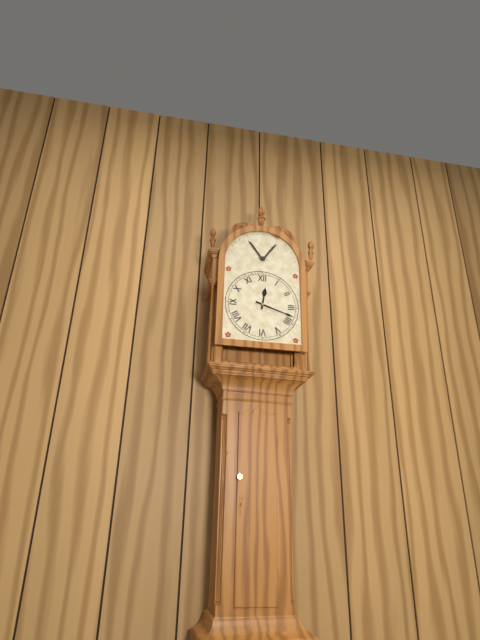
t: 12:18
